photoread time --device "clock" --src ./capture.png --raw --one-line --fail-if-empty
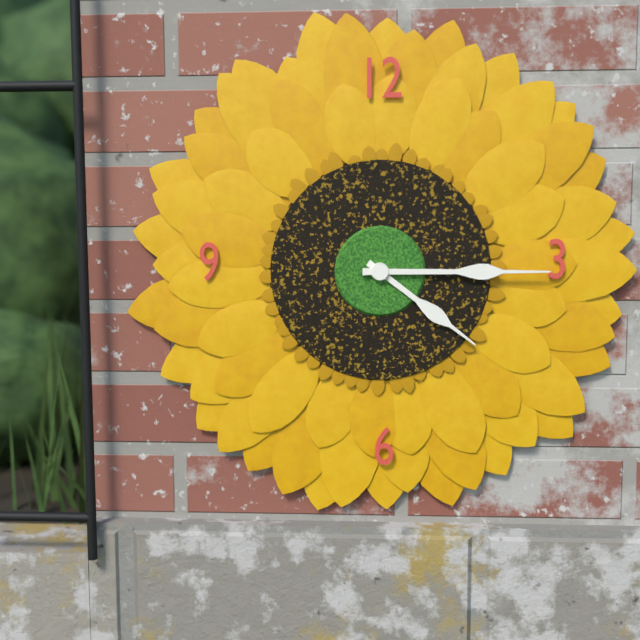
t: 4:15
